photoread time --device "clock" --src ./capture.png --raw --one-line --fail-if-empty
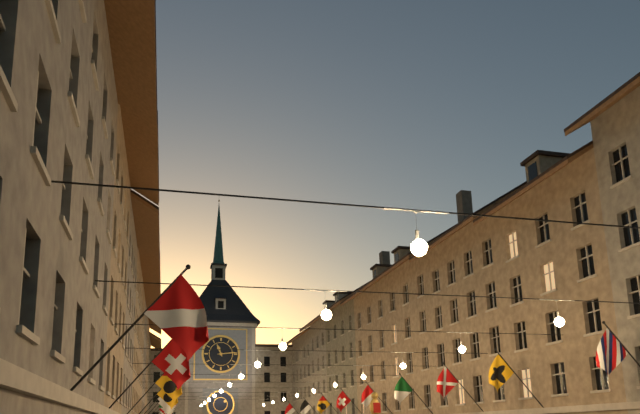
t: 11:14
